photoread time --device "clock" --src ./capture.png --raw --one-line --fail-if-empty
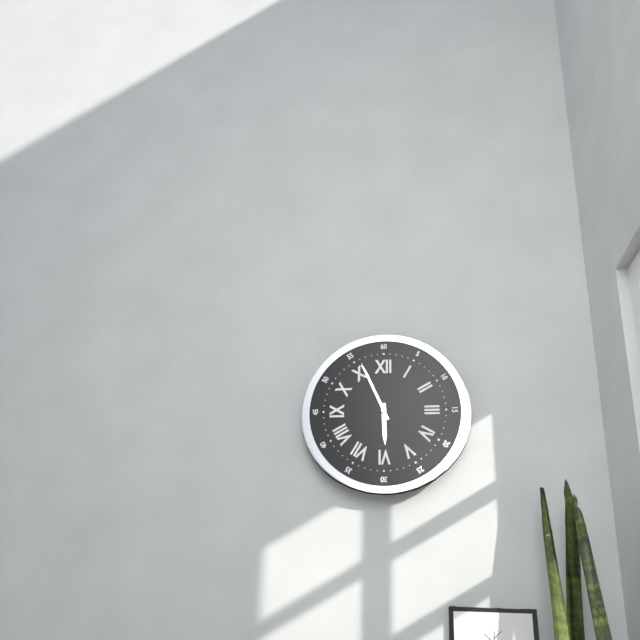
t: 5:56
